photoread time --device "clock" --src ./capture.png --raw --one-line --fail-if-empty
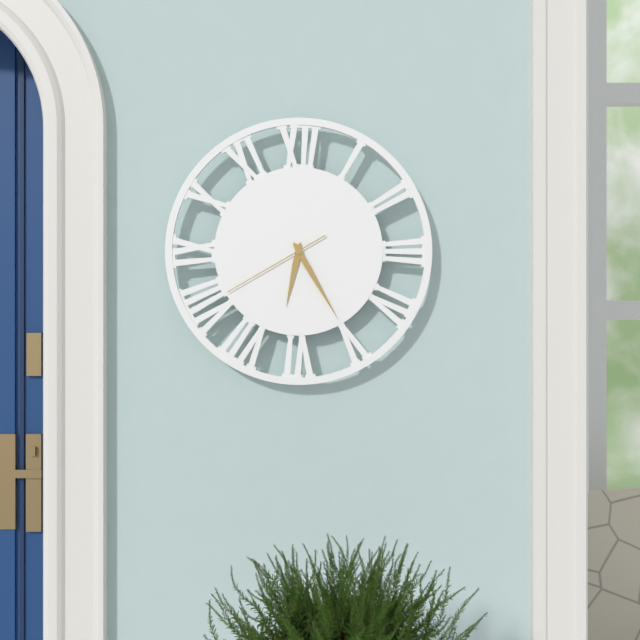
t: 6:25:40
